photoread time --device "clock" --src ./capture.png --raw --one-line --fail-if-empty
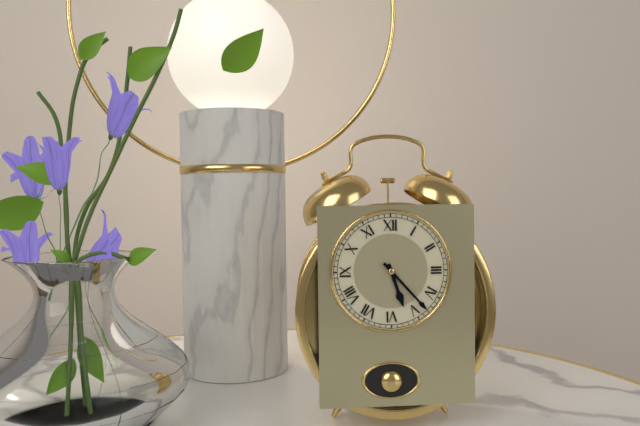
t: 5:23
